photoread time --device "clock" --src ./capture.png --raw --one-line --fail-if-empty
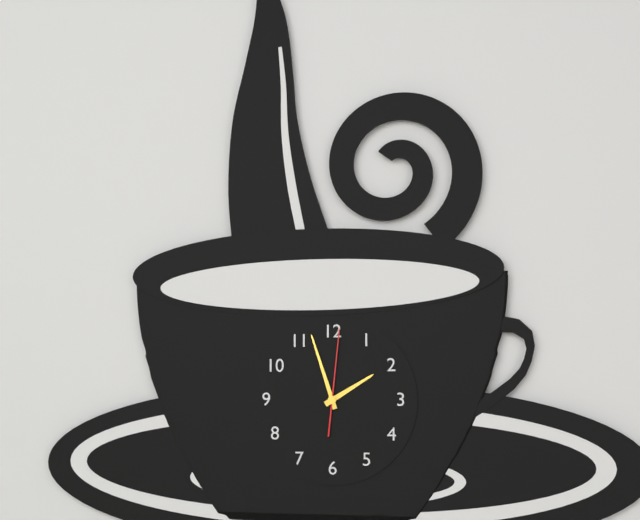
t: 1:57:01
